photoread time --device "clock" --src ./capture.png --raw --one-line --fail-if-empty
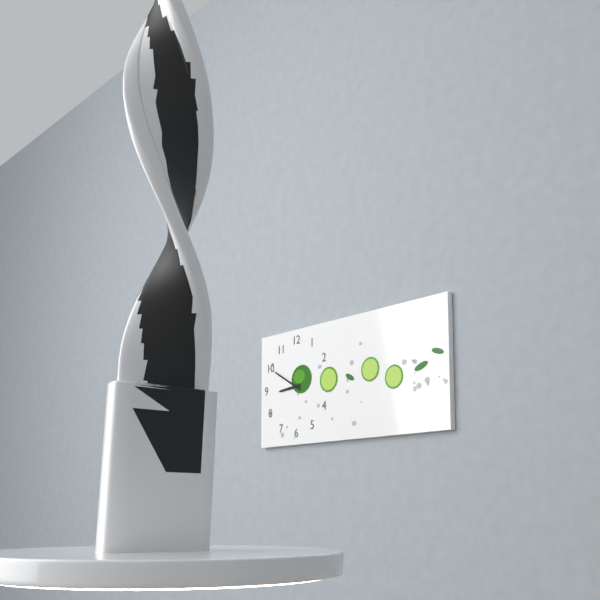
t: 8:50
